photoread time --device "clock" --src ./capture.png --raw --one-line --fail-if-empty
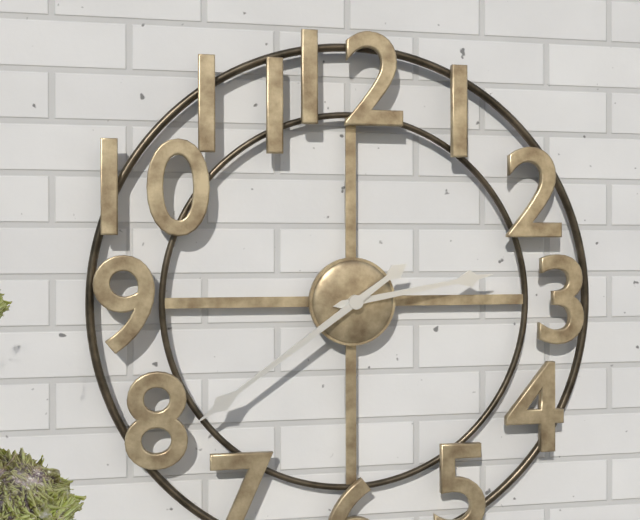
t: 2:39
